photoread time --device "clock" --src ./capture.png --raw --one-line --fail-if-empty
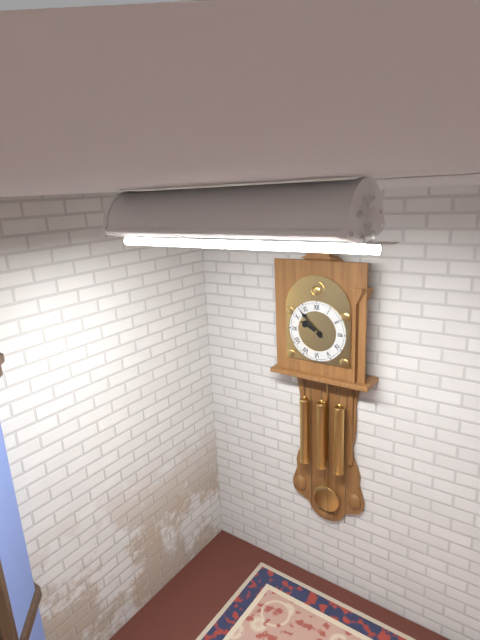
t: 9:53
